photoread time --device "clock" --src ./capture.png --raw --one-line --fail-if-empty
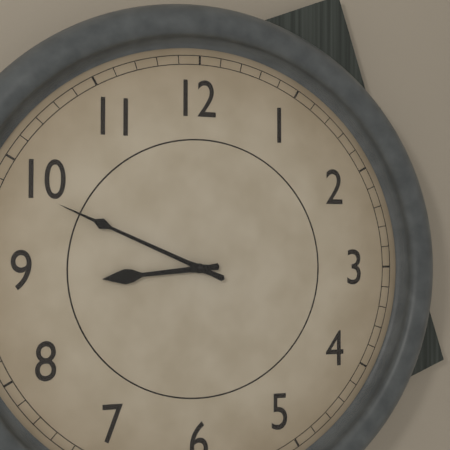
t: 8:49
